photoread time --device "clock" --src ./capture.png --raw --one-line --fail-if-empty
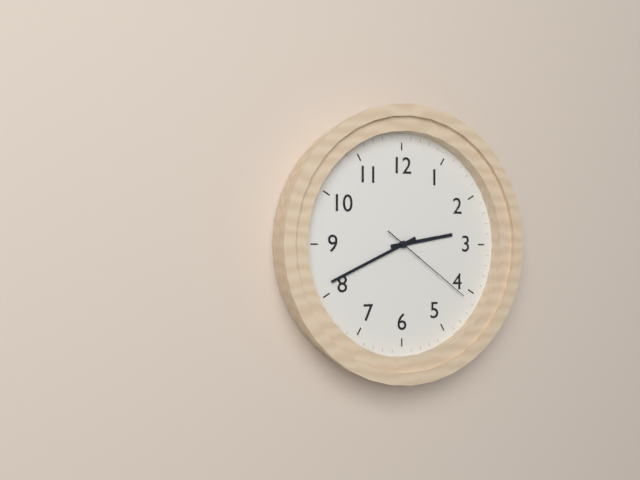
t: 2:41:21
